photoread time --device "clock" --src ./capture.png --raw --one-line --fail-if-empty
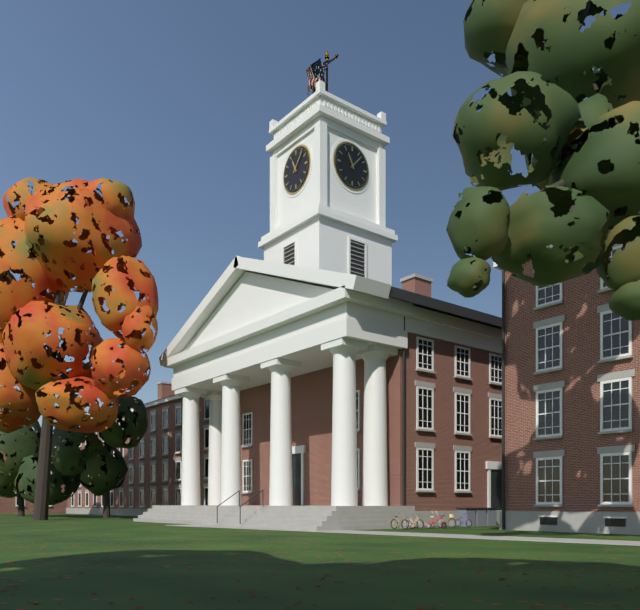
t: 11:07
